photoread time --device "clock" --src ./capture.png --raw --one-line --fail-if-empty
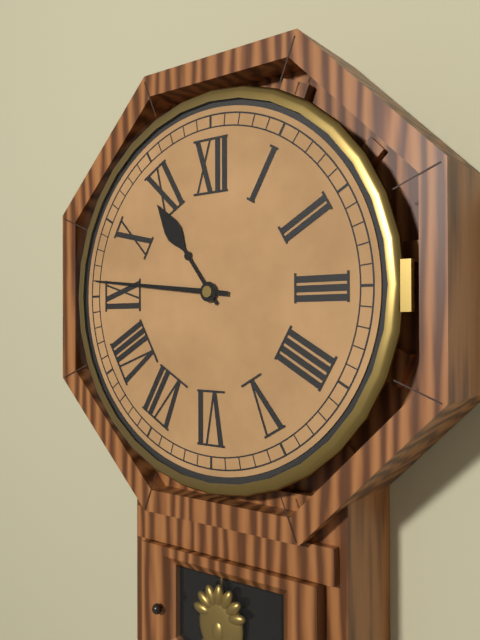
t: 10:46
